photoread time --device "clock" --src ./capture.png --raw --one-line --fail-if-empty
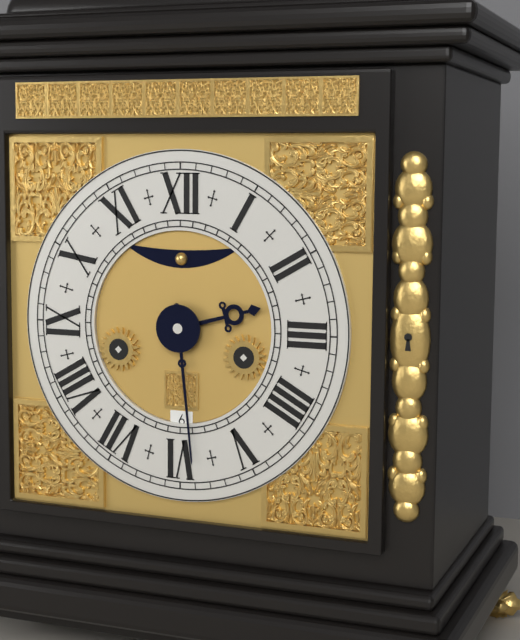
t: 2:29
